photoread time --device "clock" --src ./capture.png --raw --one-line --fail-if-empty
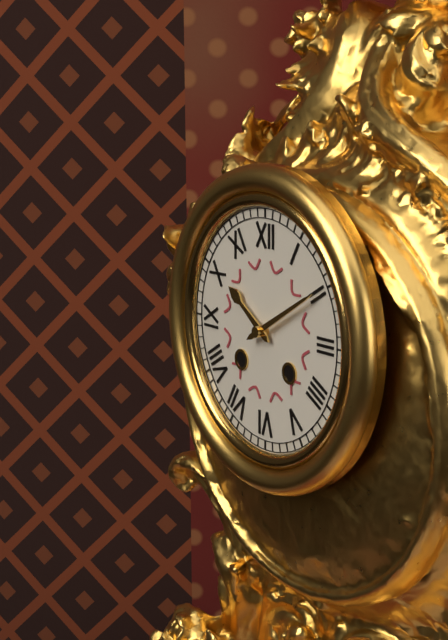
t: 10:10
